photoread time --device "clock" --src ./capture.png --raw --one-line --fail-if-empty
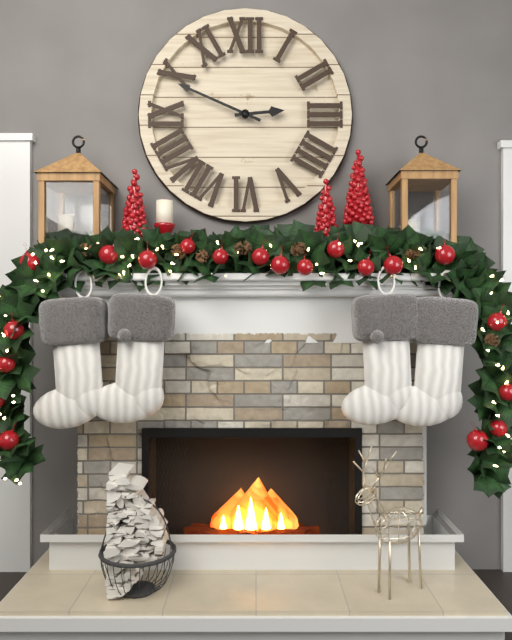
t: 2:49
